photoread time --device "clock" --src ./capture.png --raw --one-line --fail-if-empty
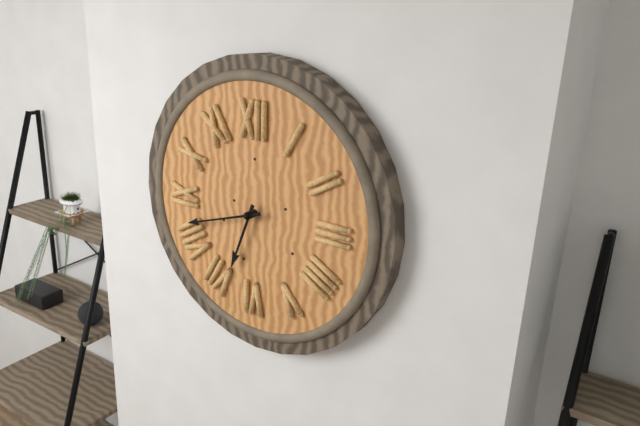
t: 6:42
